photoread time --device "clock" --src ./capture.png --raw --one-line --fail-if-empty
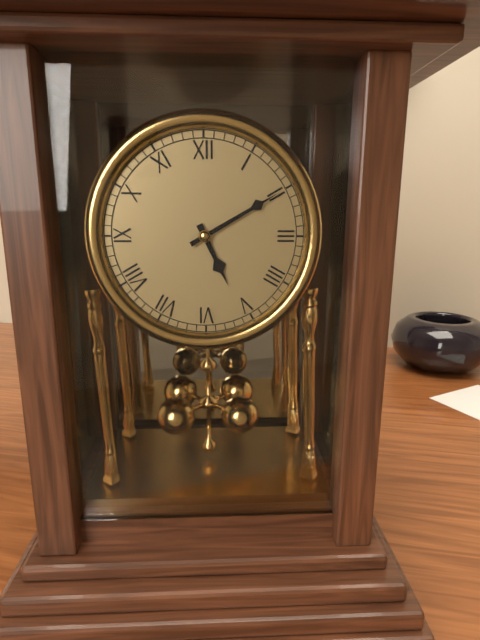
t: 5:10
